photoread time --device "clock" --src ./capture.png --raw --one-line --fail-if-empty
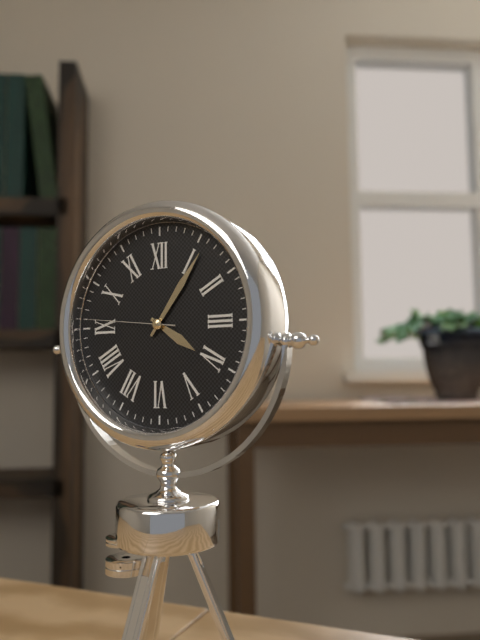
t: 4:06:46
